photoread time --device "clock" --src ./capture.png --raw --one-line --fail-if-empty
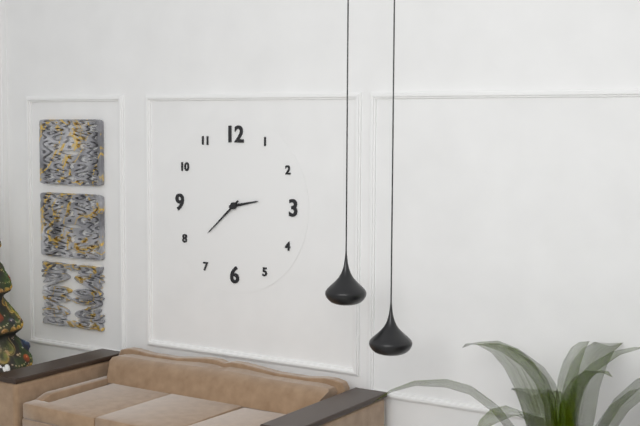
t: 2:38
